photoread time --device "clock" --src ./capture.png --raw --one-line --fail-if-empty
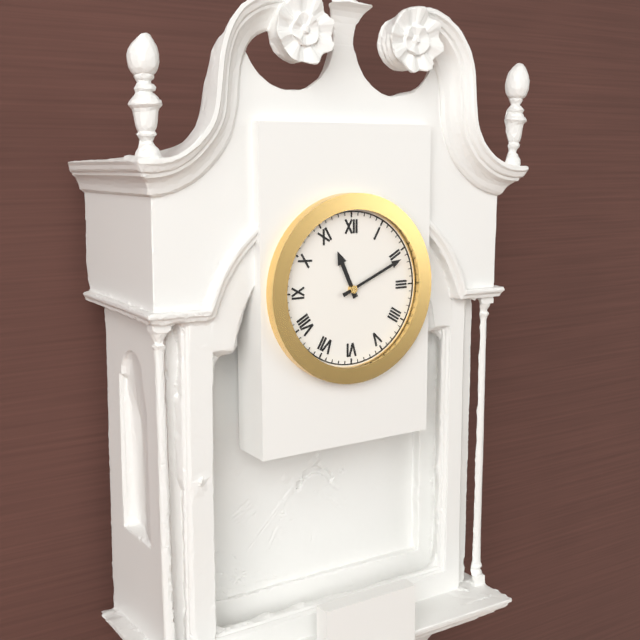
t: 11:11
